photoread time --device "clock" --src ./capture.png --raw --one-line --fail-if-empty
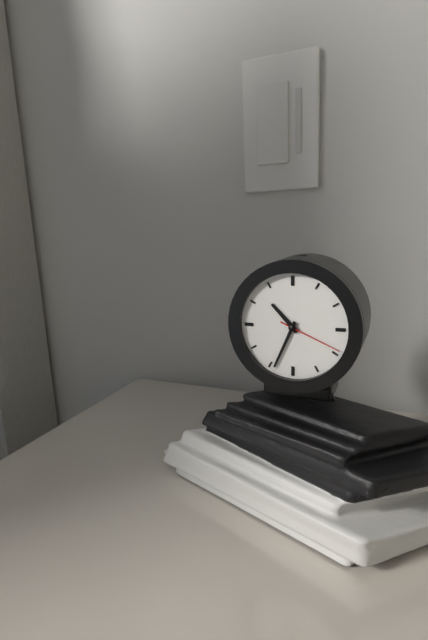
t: 10:34:19
